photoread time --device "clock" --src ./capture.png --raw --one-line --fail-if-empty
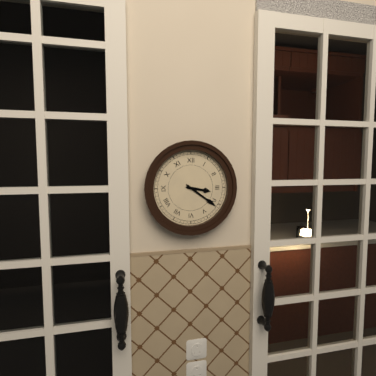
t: 3:21
